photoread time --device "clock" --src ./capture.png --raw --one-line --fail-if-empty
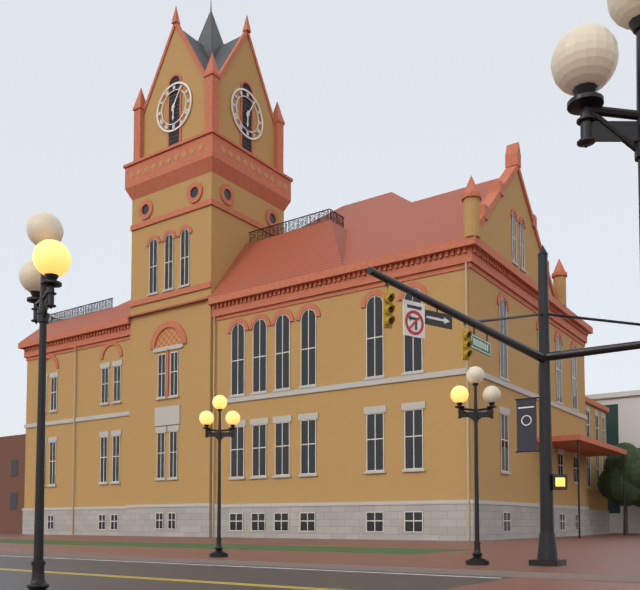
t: 6:05
